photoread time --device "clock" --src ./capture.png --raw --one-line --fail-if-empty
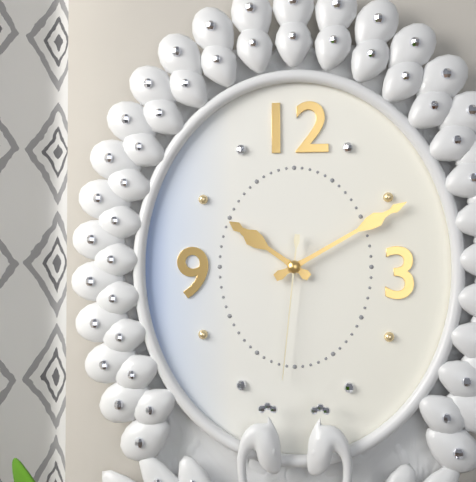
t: 10:10:31
